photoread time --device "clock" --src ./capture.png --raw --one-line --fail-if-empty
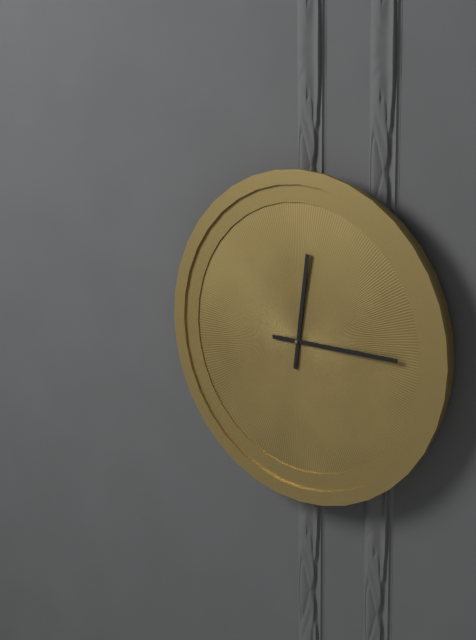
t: 12:15
